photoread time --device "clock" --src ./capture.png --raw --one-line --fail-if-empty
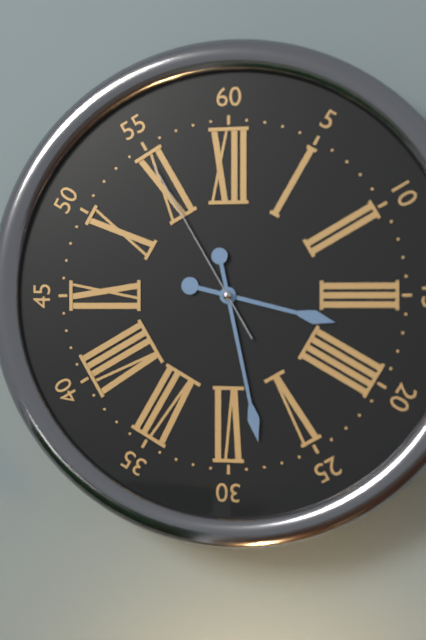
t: 3:28:55
